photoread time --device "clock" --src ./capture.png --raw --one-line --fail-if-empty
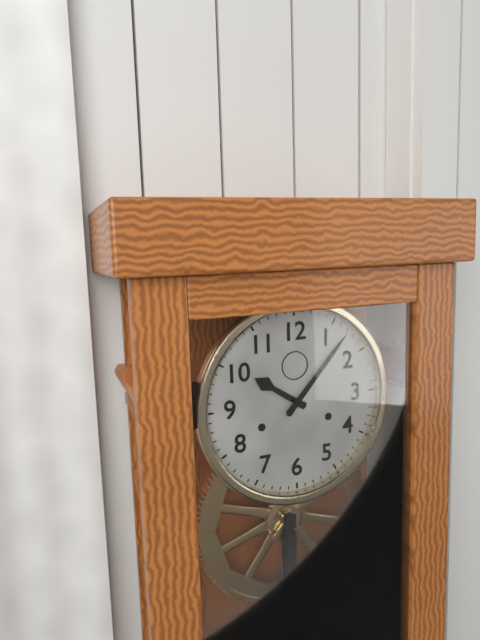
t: 10:07
